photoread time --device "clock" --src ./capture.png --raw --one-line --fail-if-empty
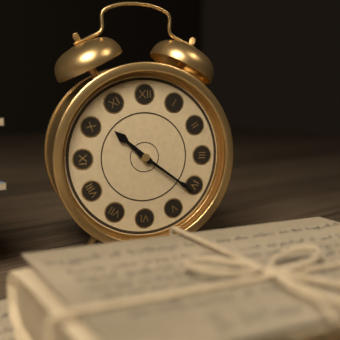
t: 10:21
